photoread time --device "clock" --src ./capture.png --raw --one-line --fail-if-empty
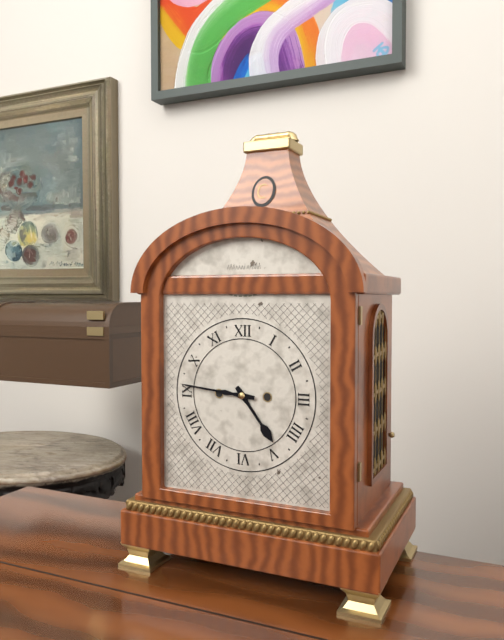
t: 4:46
